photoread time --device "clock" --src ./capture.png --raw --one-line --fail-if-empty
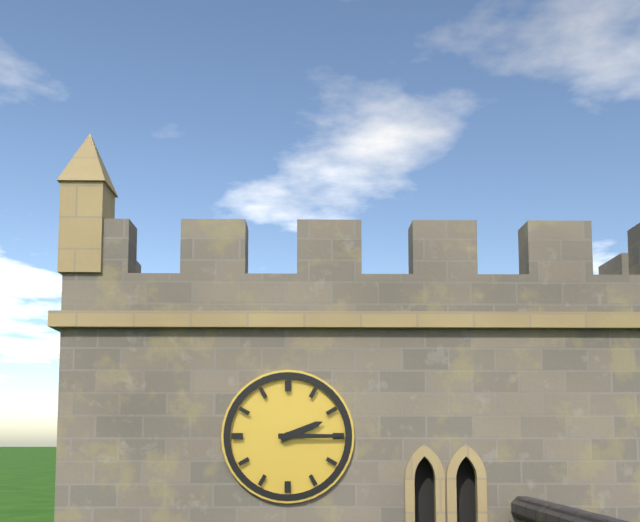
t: 2:15
